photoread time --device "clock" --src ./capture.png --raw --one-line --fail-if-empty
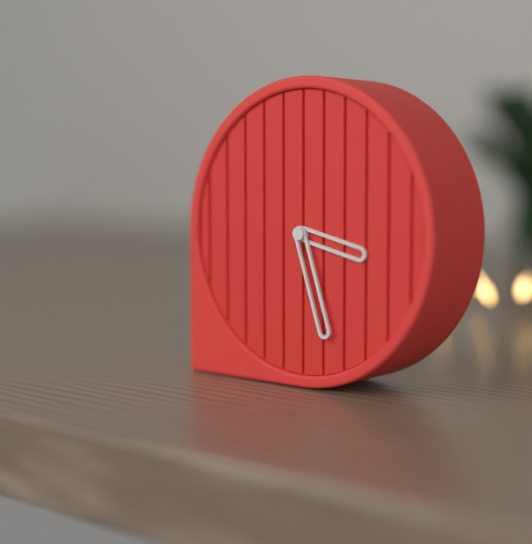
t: 3:27
